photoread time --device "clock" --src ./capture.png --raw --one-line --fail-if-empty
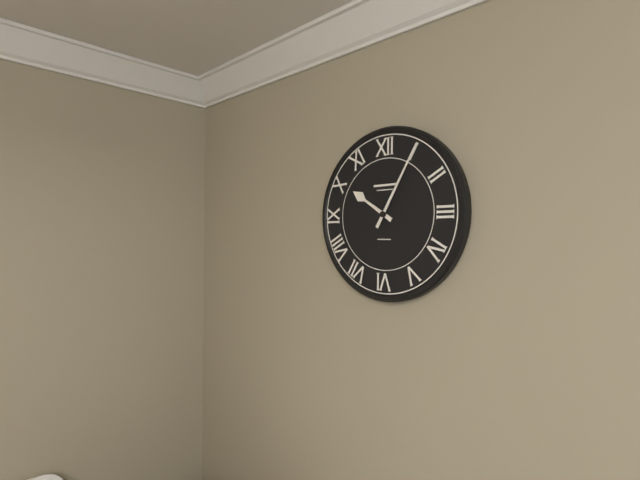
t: 10:05
